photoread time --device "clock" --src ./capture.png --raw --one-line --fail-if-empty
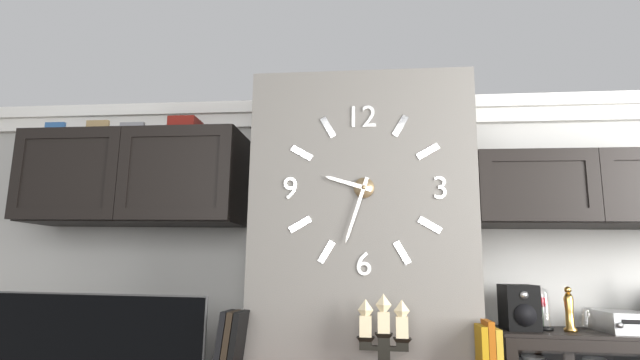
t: 9:33
